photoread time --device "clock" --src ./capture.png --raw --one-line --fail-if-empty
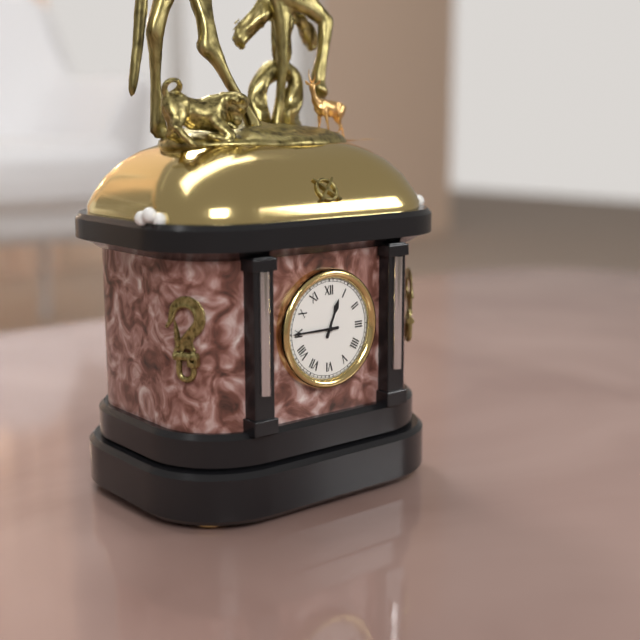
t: 12:45
